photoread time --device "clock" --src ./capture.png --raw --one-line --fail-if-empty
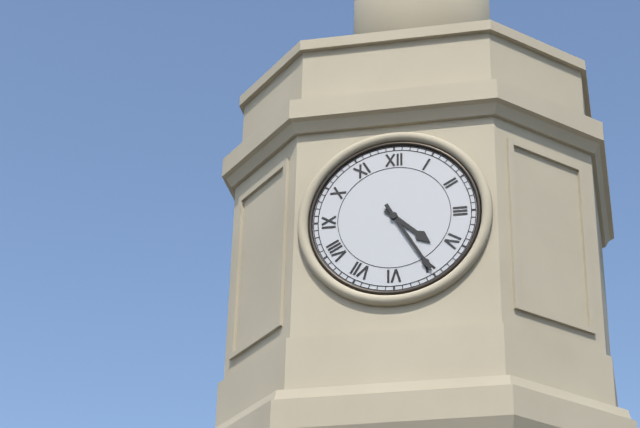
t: 4:25
